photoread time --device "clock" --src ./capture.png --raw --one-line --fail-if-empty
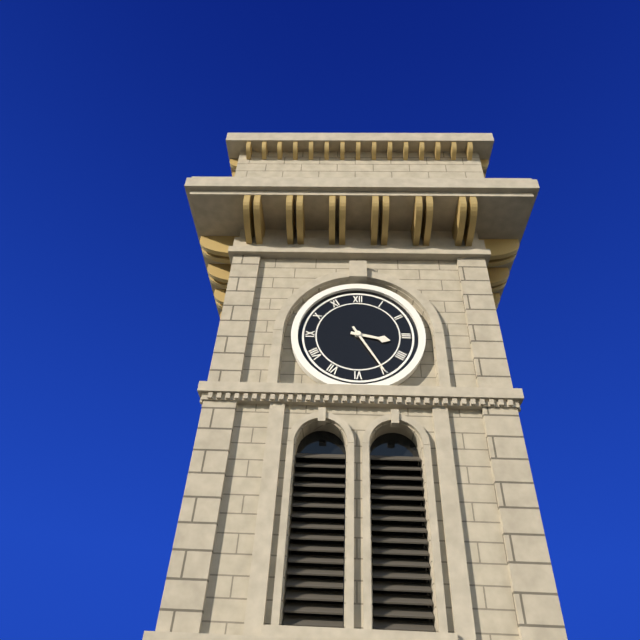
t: 3:25
